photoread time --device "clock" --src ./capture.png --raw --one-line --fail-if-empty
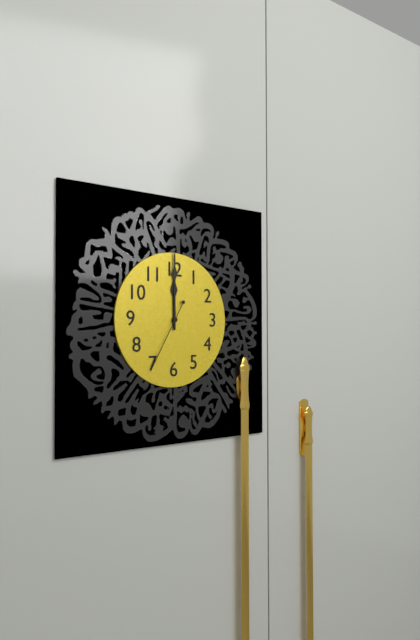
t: 12:00:35
